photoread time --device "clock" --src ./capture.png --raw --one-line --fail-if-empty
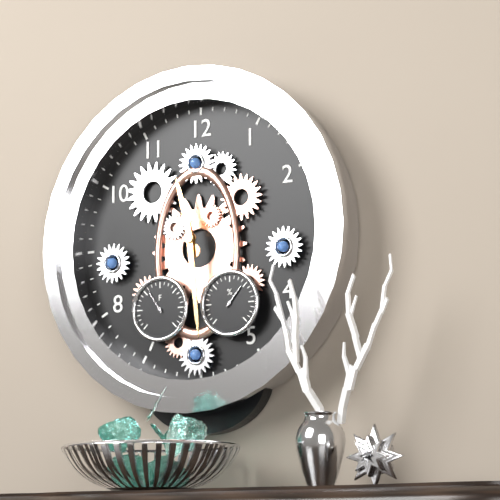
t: 11:29
